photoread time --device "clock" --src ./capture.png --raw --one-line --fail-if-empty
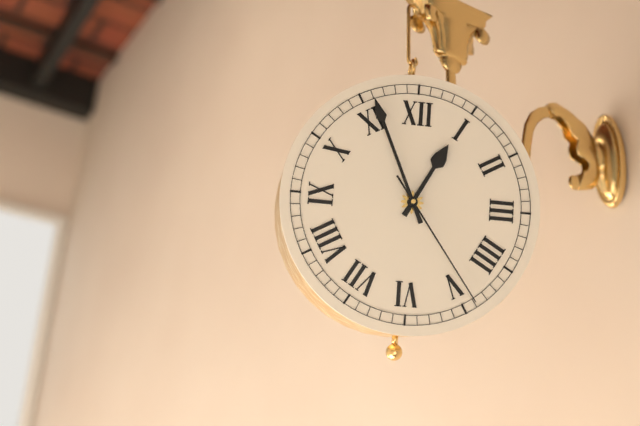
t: 12:56:24
